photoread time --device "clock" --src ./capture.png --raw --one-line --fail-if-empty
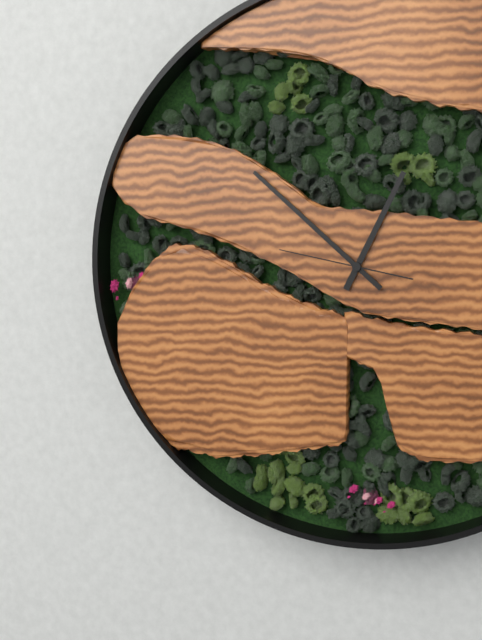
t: 12:52:47
